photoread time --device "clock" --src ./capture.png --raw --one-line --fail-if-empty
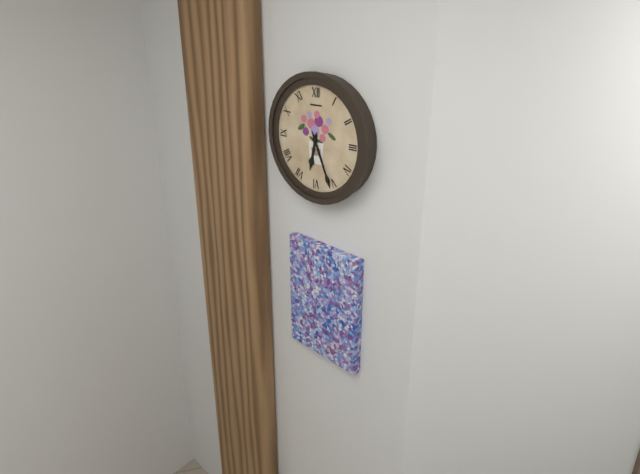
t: 6:26
